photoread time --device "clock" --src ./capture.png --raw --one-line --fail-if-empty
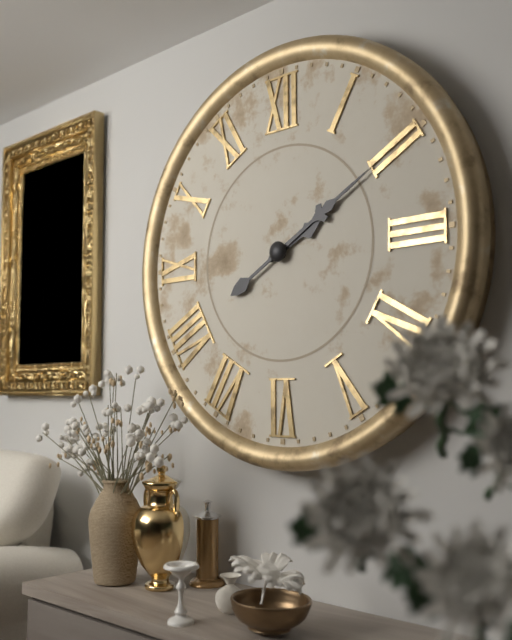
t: 2:10
